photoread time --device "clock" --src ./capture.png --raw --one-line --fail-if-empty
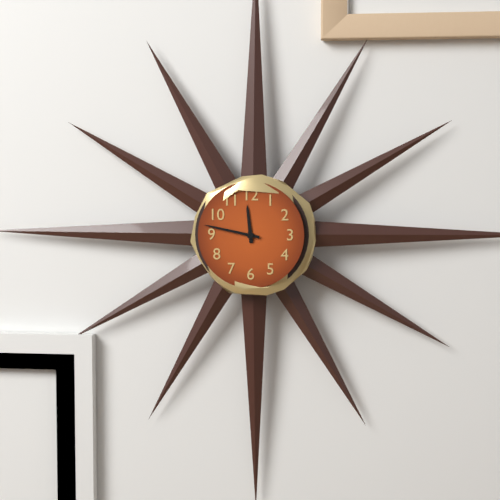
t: 11:47
